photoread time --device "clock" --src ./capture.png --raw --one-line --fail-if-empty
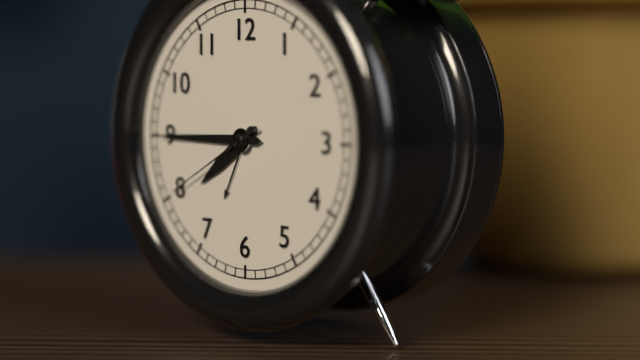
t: 7:45:40
